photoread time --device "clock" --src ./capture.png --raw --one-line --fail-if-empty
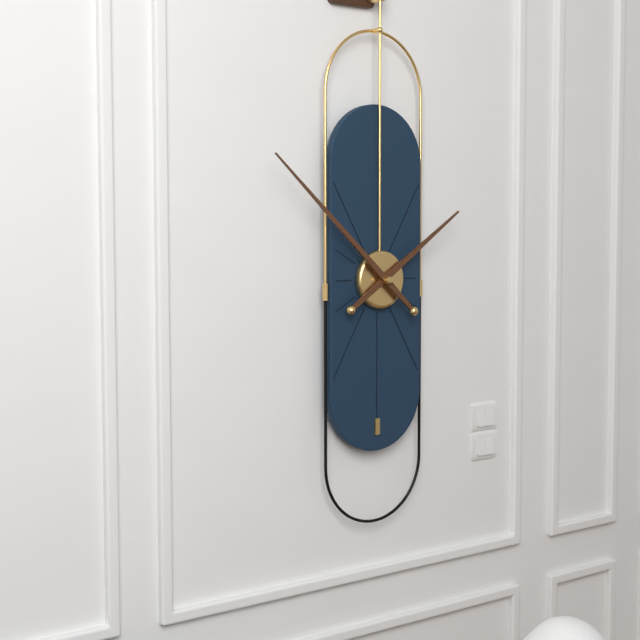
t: 1:52
